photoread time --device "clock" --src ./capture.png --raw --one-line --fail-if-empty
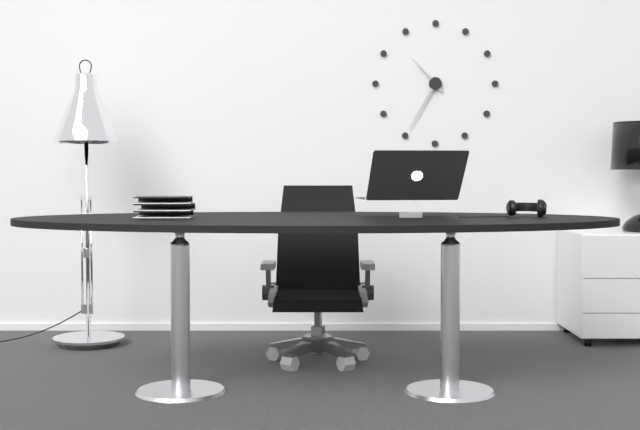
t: 10:35
